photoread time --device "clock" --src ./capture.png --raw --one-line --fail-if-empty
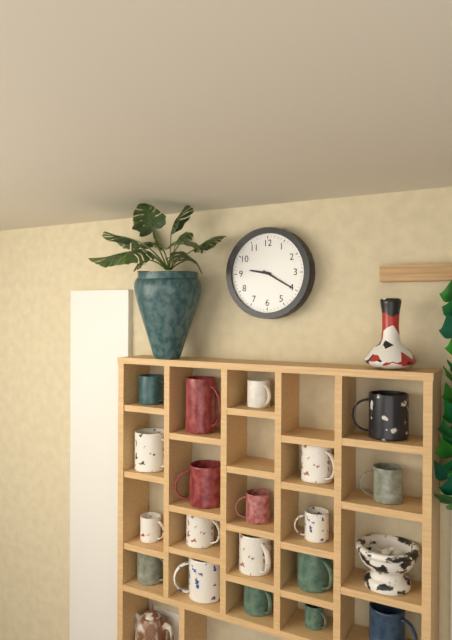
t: 9:20
